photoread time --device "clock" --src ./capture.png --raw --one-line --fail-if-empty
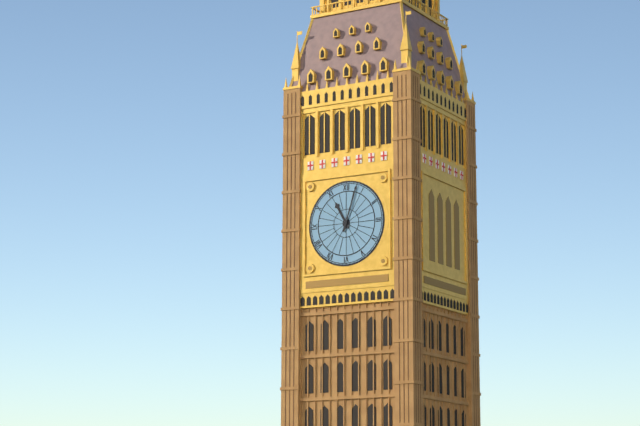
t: 11:03
